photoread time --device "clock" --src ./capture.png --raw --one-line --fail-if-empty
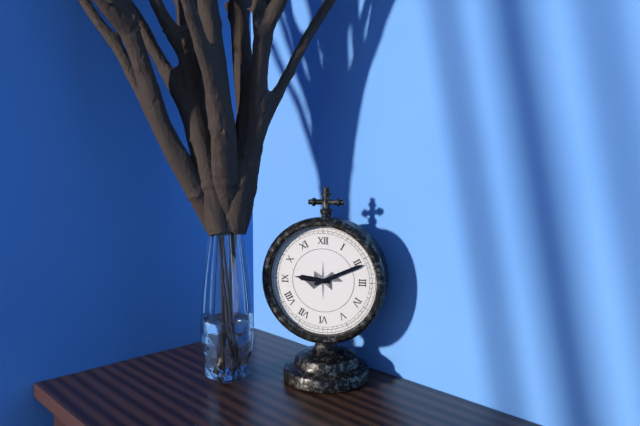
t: 9:11
